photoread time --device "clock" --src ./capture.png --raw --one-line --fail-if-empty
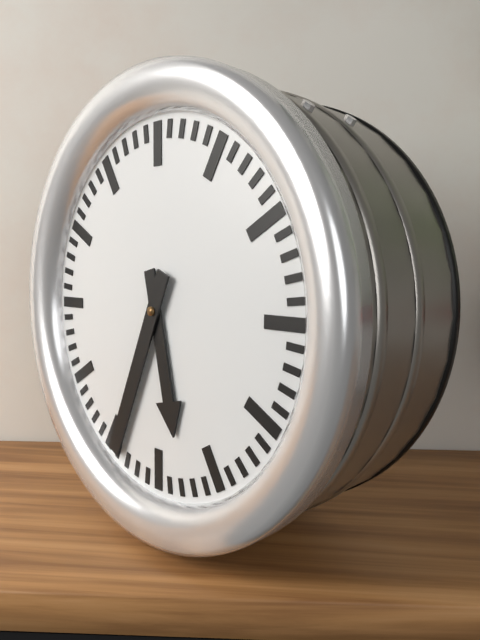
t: 5:34
